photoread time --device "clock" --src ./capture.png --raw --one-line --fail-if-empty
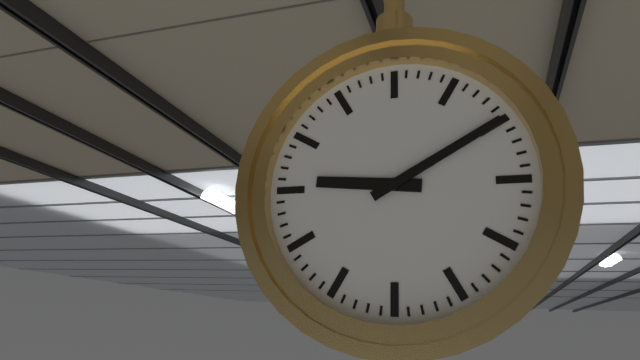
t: 9:10
